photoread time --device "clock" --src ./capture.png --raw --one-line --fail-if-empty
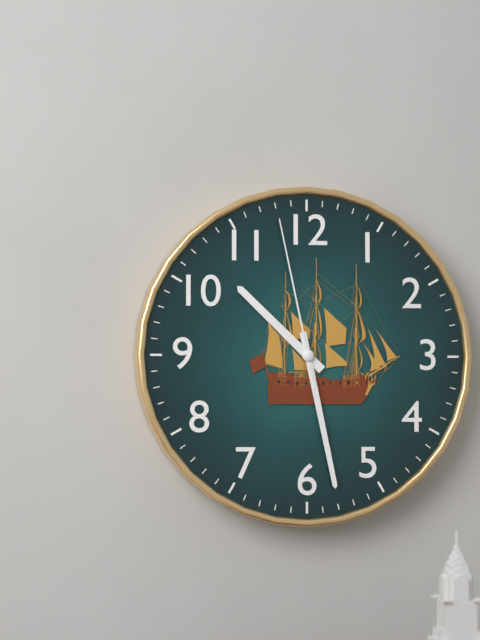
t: 10:28:58
